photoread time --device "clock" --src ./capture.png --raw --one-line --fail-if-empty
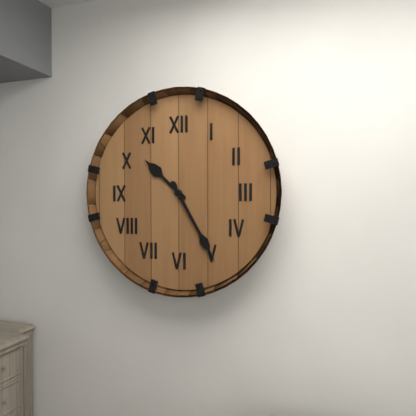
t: 10:25
